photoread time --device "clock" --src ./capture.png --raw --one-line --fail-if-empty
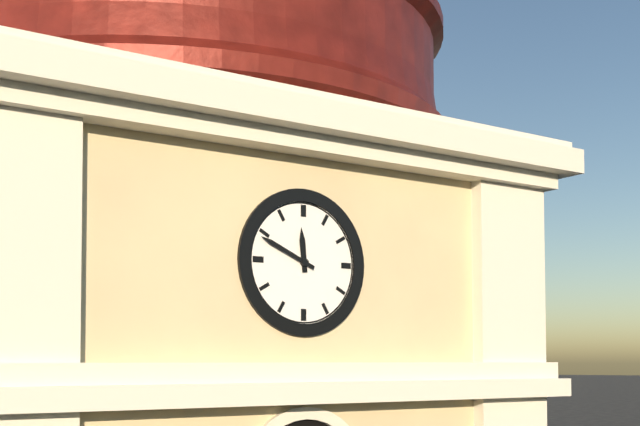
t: 11:49
